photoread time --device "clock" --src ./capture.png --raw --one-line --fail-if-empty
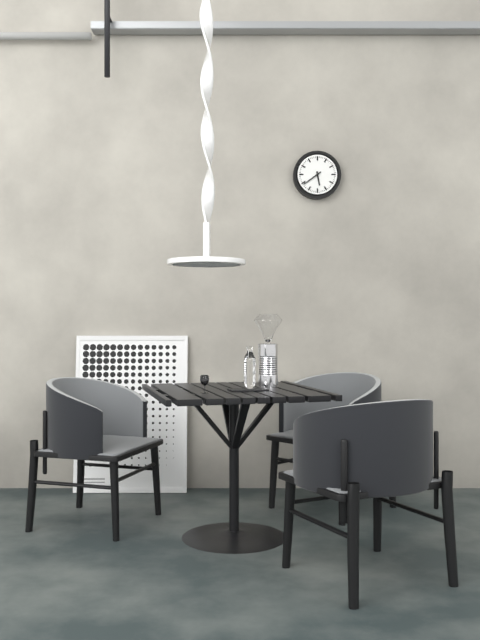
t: 5:39
